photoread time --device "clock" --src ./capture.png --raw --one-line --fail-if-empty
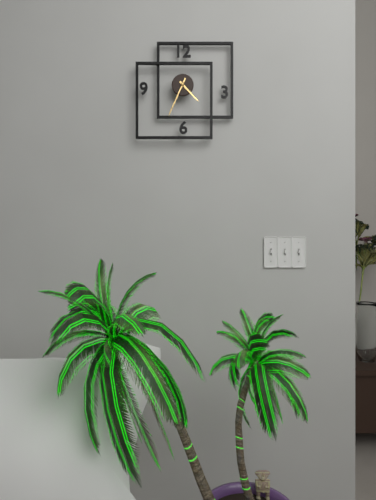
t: 4:34
